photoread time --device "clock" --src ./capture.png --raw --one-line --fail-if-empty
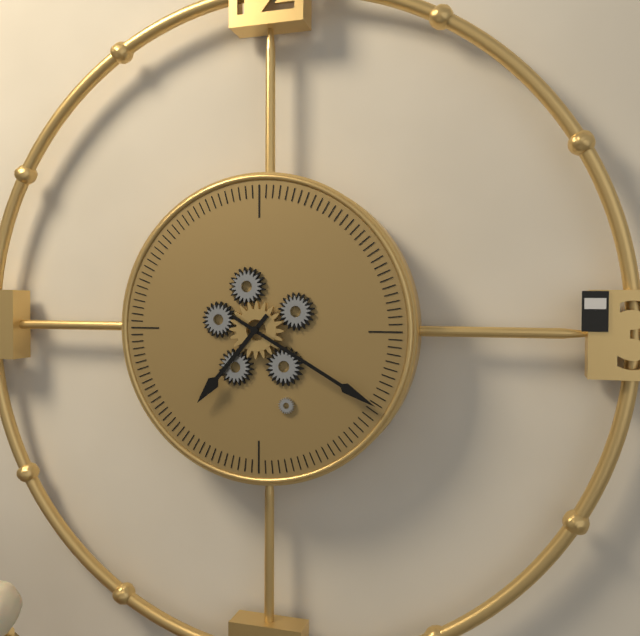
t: 7:20
